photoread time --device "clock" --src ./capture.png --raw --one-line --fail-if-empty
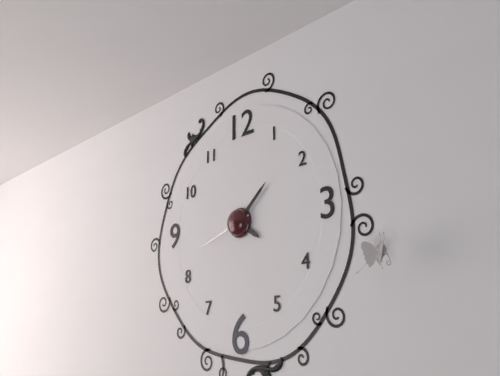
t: 4:08:42
